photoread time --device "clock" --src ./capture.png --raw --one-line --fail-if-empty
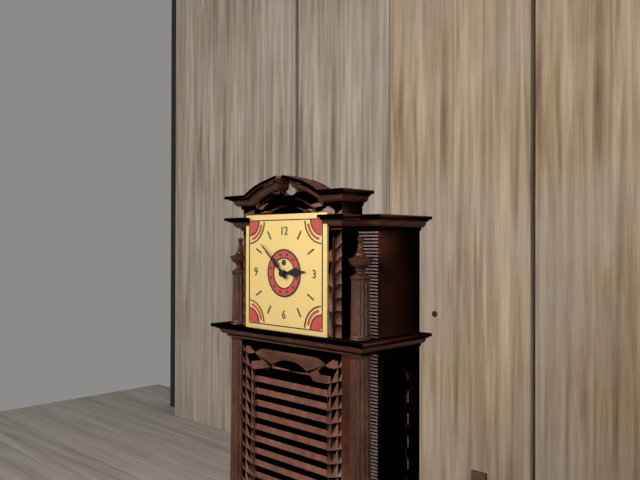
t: 2:52
